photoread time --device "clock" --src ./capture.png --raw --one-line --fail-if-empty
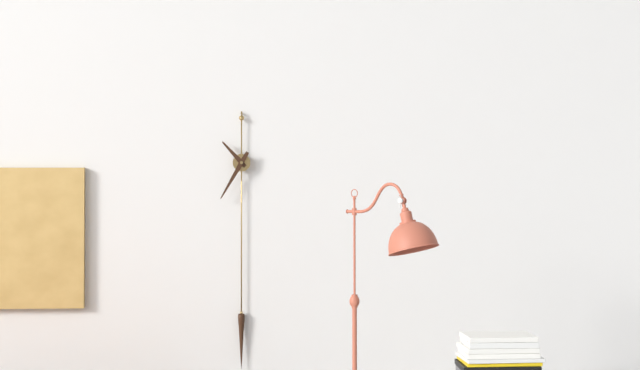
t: 10:35
